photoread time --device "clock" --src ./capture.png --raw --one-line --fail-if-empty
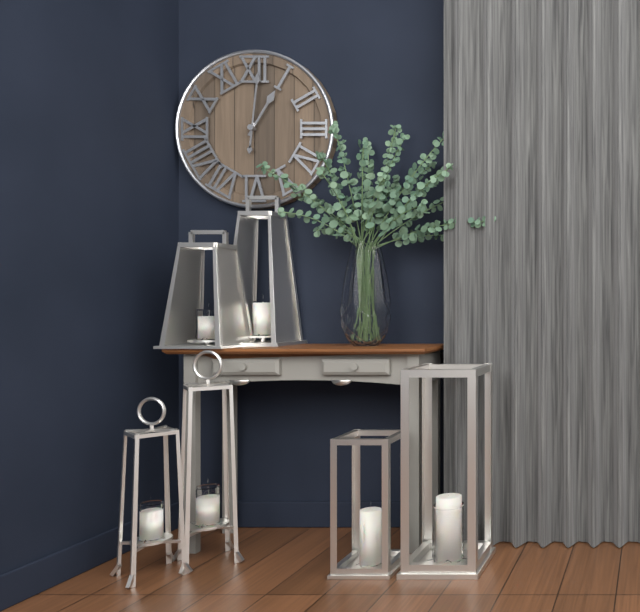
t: 1:01
